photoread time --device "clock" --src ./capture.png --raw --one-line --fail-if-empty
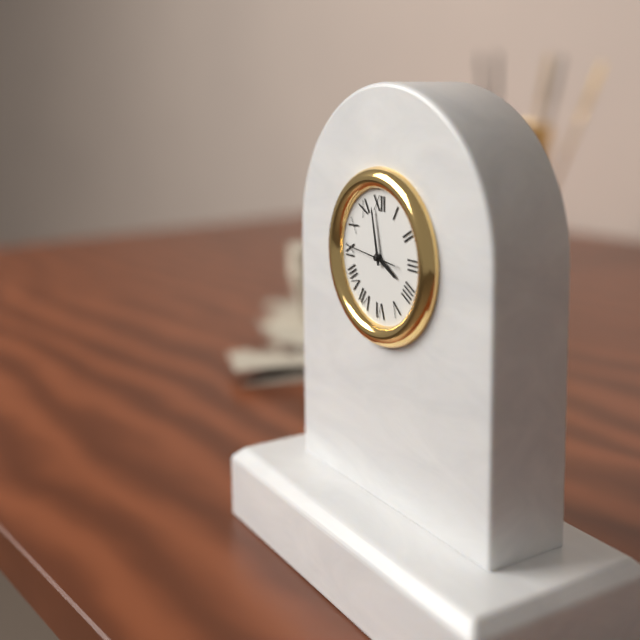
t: 3:58
